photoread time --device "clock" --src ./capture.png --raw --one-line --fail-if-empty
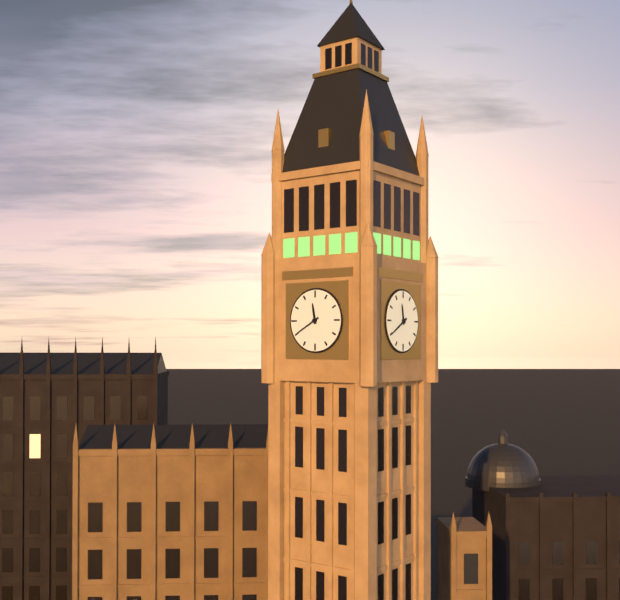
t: 11:40
